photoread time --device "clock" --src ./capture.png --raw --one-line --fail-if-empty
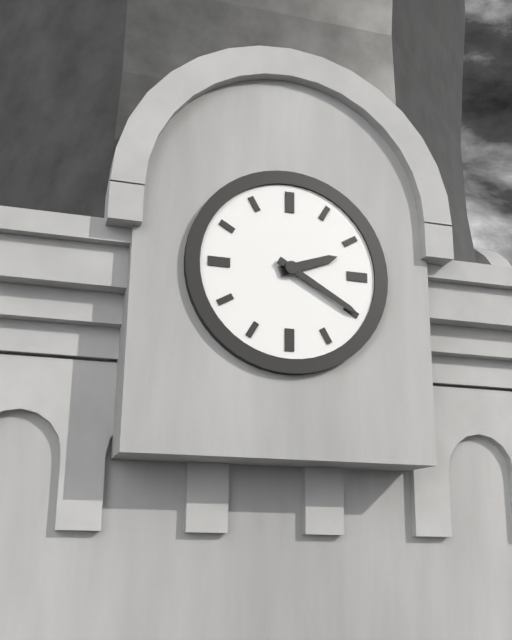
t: 2:20
